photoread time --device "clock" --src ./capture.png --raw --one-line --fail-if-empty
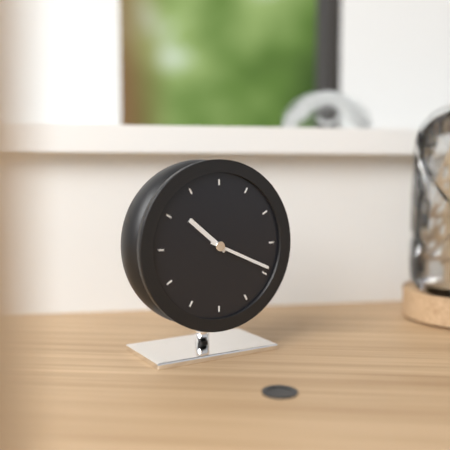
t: 10:19
